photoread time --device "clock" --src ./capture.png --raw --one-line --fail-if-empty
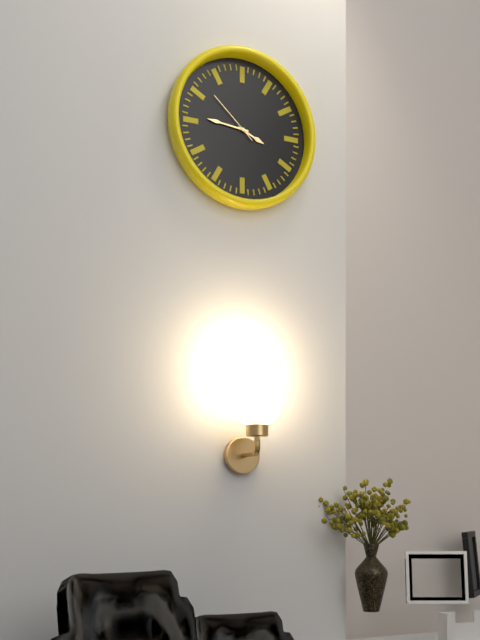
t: 3:46:52
